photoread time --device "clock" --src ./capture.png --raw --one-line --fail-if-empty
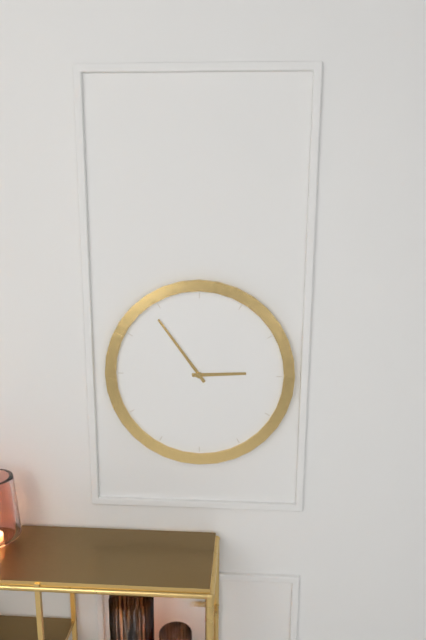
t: 2:54
